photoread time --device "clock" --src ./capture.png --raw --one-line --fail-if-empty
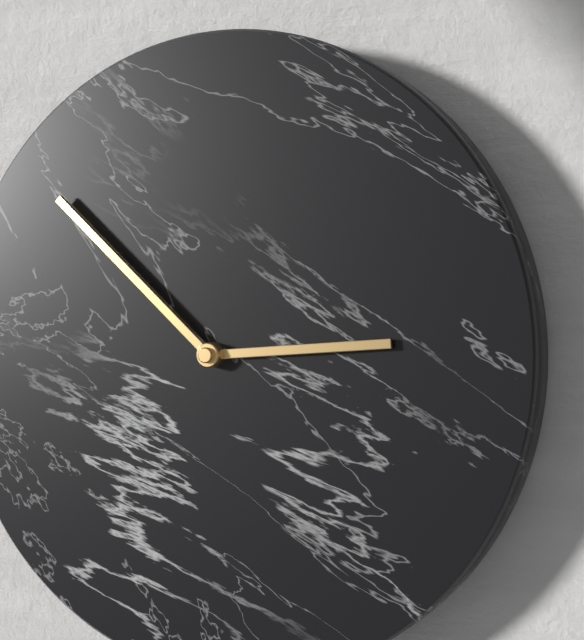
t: 2:52
